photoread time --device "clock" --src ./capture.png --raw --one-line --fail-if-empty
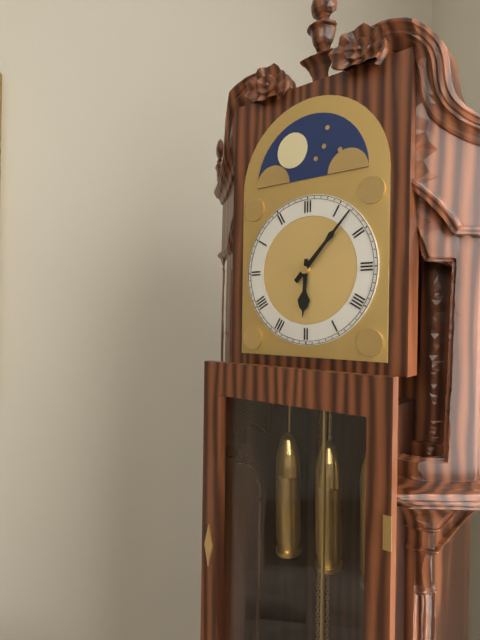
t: 6:07
